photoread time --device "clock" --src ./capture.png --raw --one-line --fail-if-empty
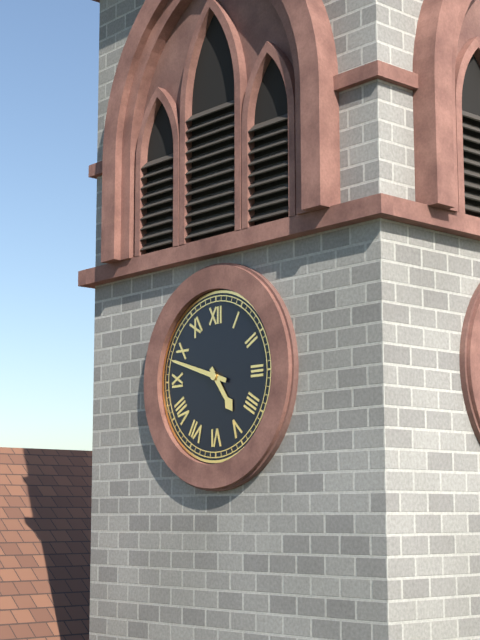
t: 4:48
